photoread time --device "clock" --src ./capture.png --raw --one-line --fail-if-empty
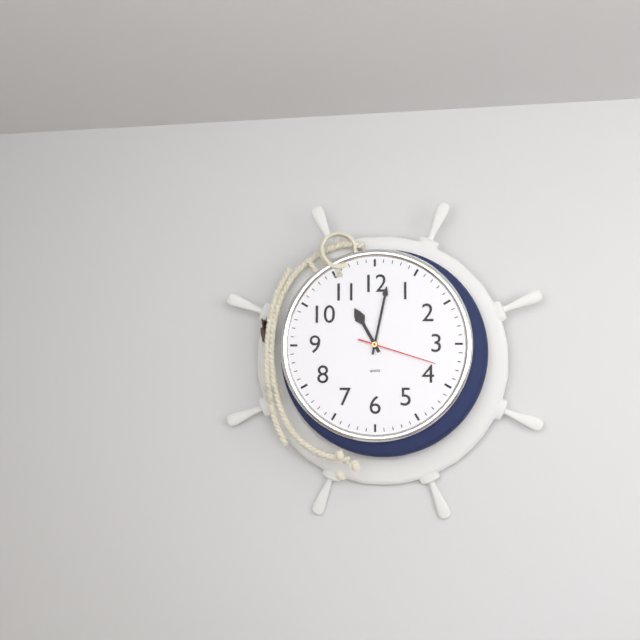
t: 11:02:18
